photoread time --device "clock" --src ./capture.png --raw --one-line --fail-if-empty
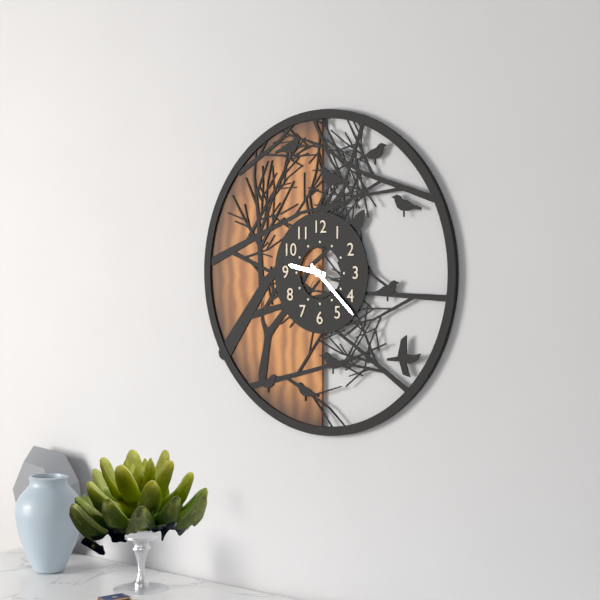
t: 9:22
